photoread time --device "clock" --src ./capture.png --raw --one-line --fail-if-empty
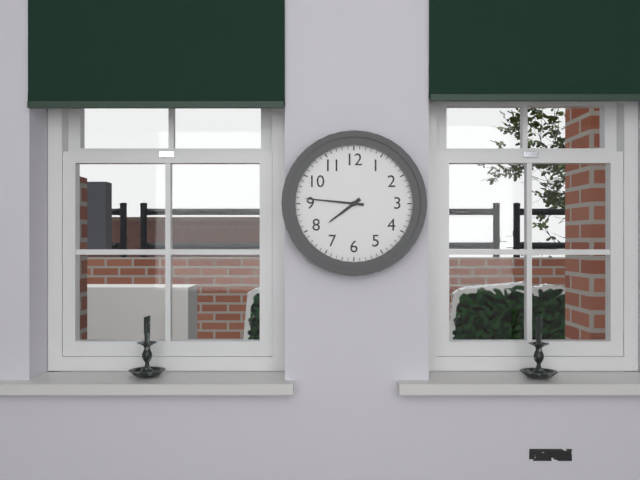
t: 7:46
